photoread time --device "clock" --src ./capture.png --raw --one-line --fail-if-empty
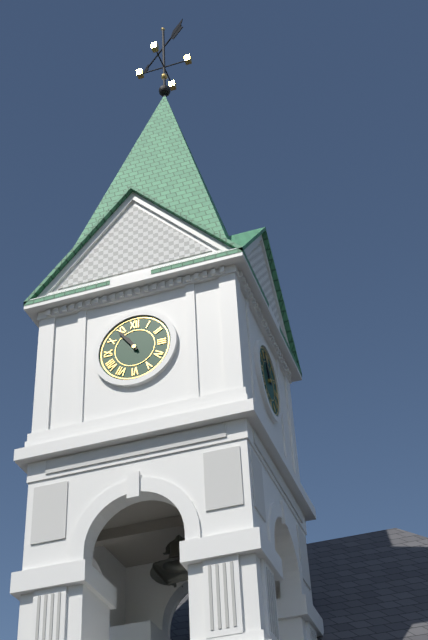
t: 10:54
